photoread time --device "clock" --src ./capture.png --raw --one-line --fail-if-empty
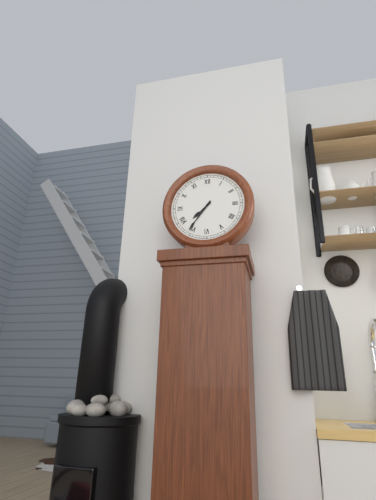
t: 7:36
